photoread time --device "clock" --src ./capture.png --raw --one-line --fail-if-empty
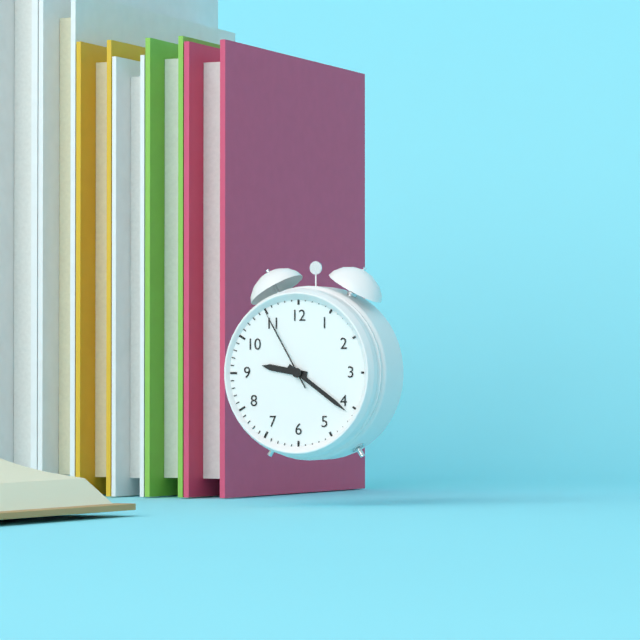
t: 9:21:55
